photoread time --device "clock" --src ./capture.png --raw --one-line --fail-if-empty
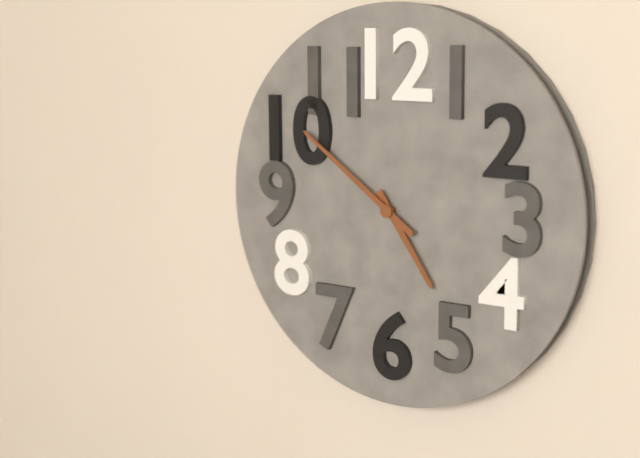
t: 4:51
